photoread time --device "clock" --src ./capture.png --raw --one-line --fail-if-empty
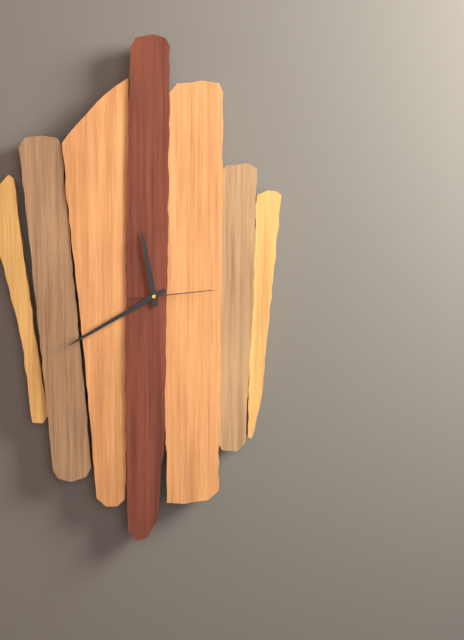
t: 11:40:14
